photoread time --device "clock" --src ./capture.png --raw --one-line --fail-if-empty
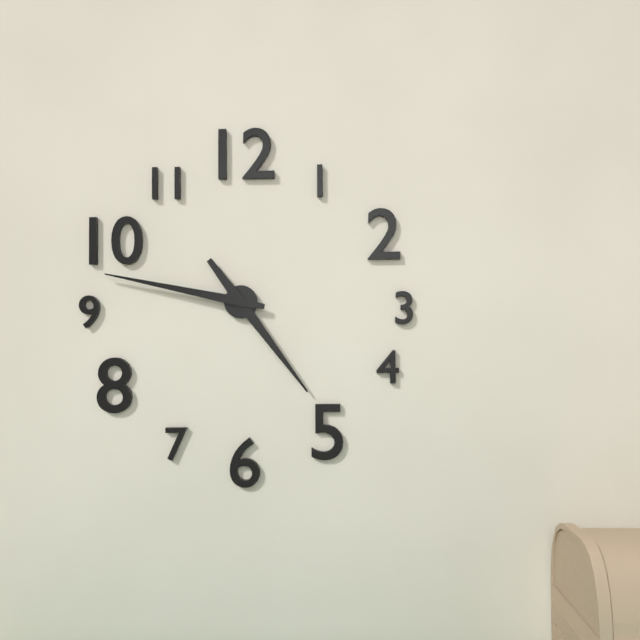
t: 4:47
